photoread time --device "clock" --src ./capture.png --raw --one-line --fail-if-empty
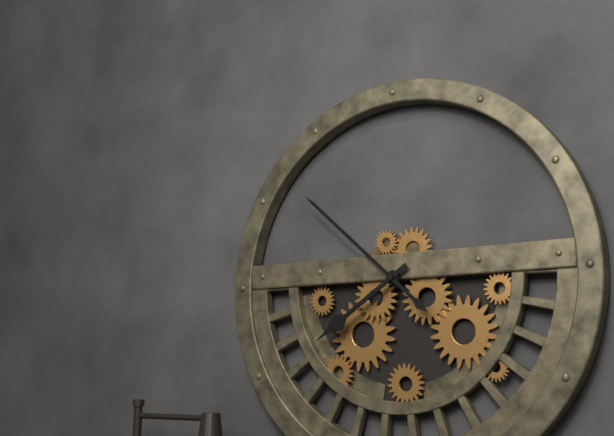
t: 7:52
